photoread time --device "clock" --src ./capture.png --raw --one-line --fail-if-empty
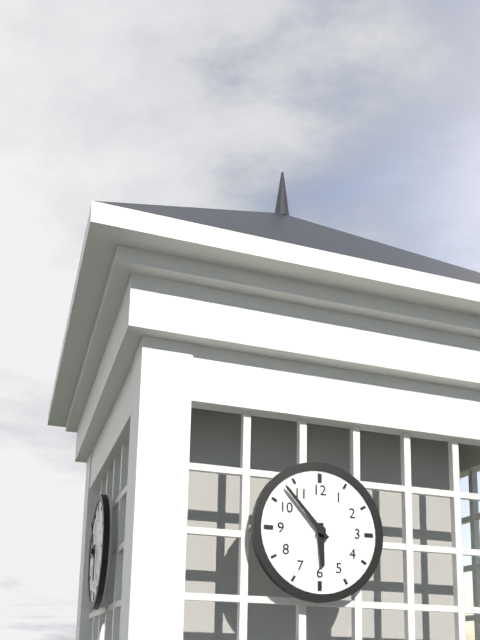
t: 5:53
